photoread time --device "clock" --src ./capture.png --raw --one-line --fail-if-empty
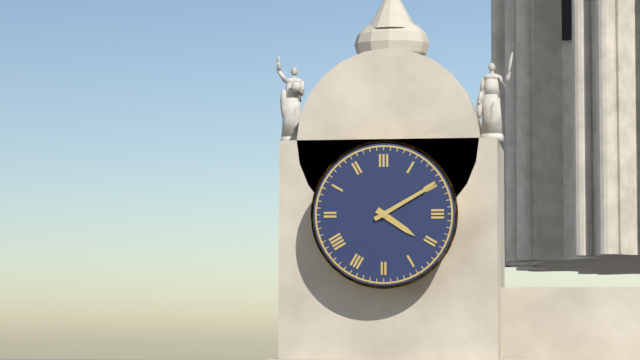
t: 4:10
